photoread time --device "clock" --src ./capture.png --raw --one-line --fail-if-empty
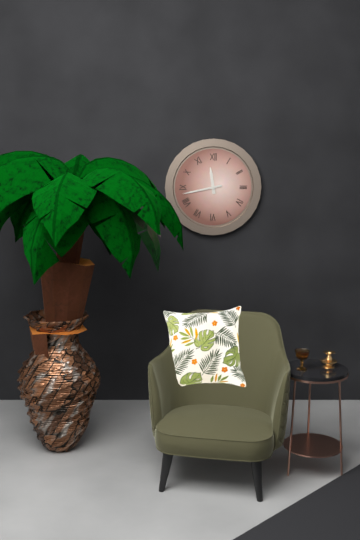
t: 11:43
